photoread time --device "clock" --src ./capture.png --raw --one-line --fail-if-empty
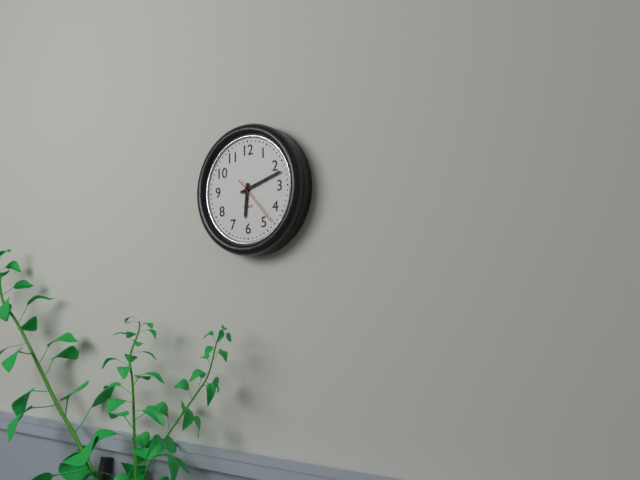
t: 6:12:23
